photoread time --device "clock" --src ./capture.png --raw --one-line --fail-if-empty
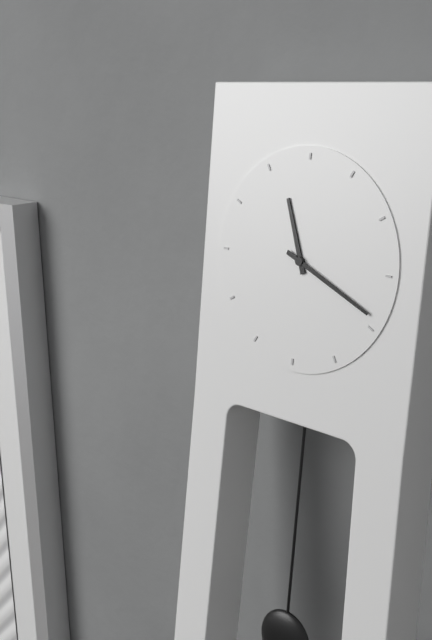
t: 11:19
